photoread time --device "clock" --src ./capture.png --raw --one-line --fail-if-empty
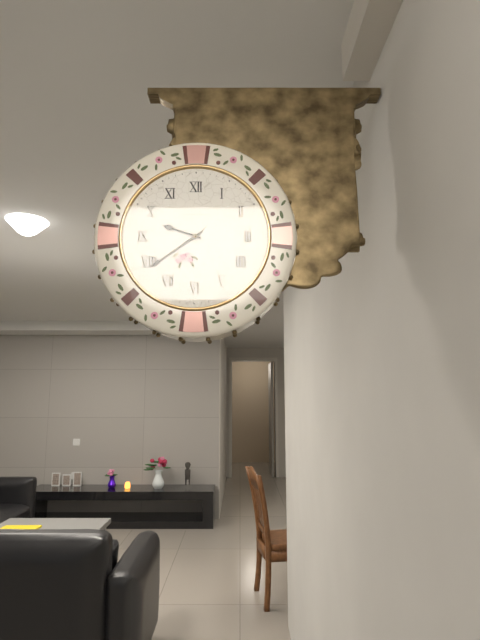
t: 9:39
